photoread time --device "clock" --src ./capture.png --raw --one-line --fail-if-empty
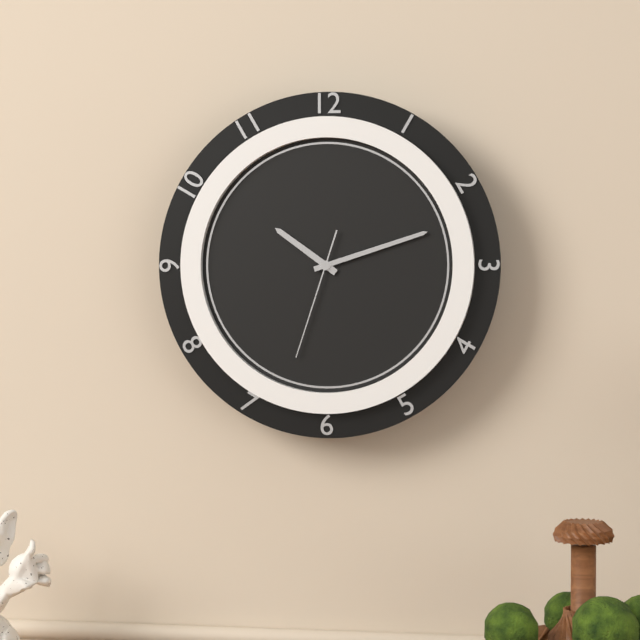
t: 10:12:33
